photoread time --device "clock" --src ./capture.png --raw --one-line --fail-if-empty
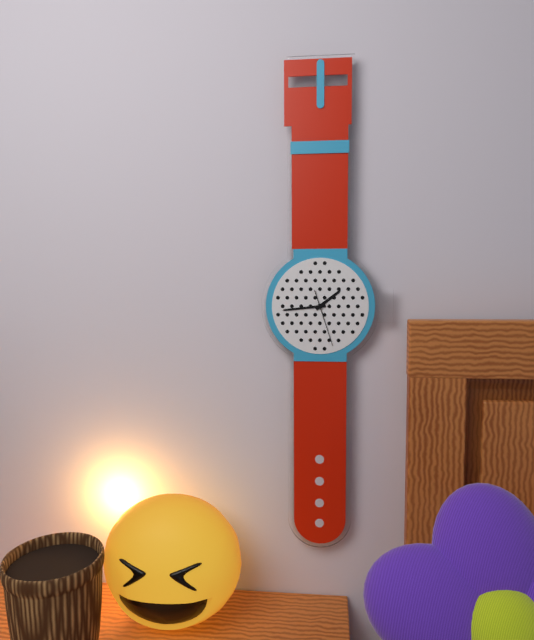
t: 1:44:27
